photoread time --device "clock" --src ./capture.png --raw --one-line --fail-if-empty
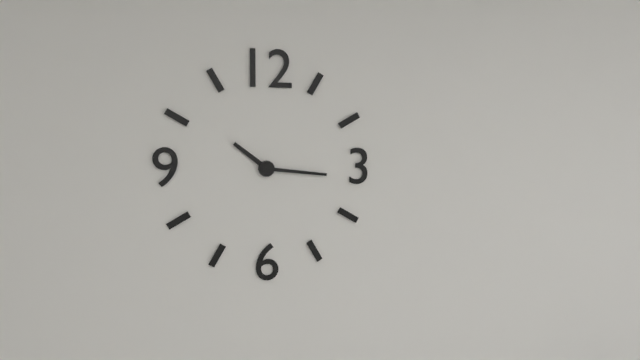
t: 10:16
